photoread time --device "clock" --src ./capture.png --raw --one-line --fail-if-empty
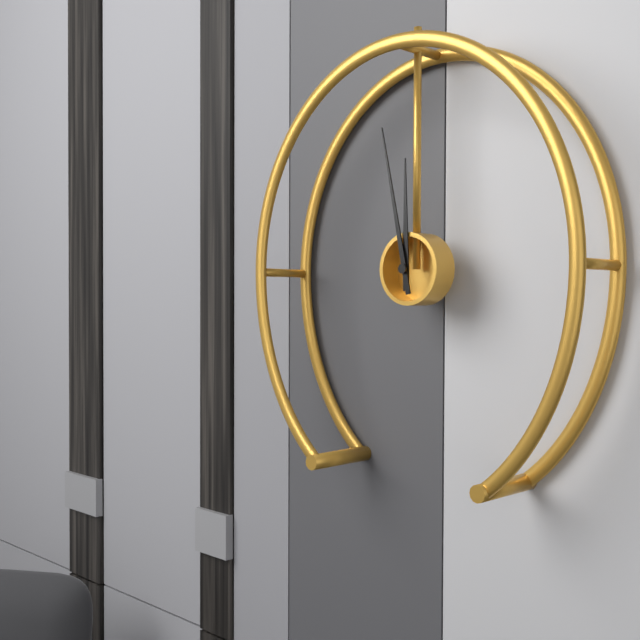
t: 11:58
